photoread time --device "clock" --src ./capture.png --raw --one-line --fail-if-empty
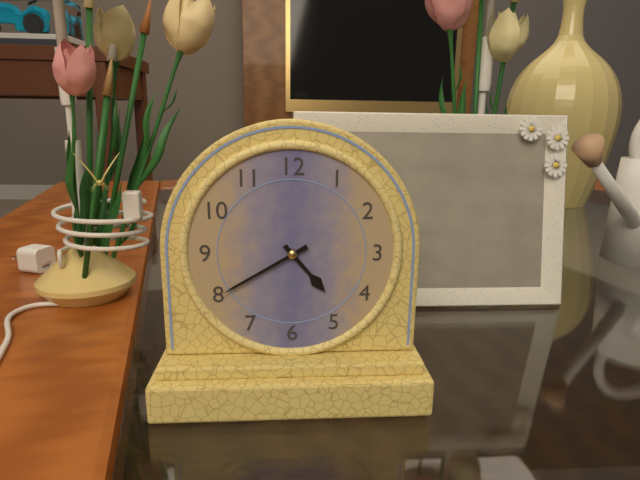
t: 4:40
